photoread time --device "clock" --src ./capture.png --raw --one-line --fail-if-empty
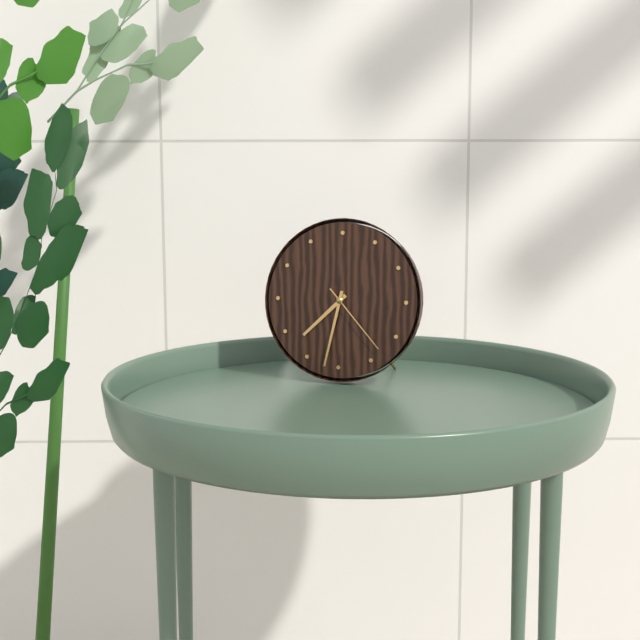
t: 7:32:23
